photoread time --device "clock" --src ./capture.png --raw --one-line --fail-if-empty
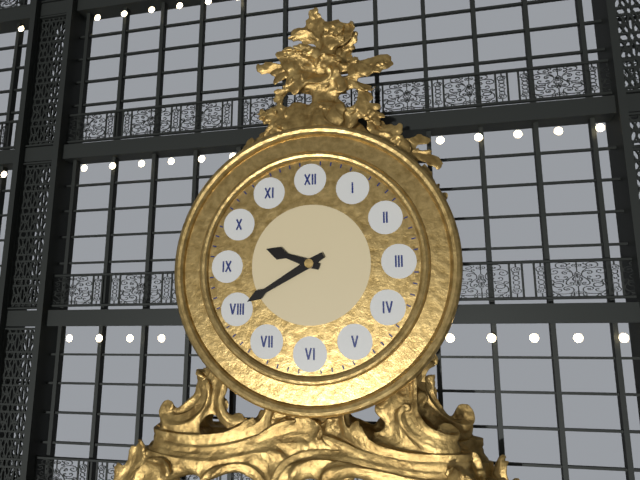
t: 9:40
